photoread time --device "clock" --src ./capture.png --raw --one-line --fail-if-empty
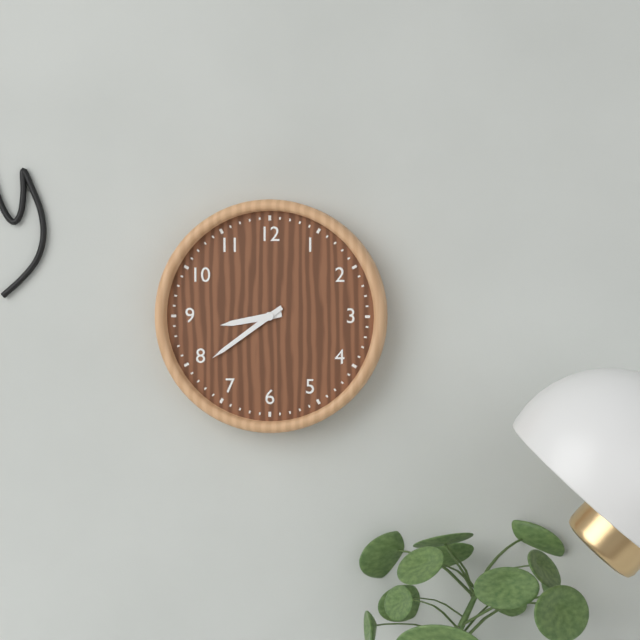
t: 8:39
